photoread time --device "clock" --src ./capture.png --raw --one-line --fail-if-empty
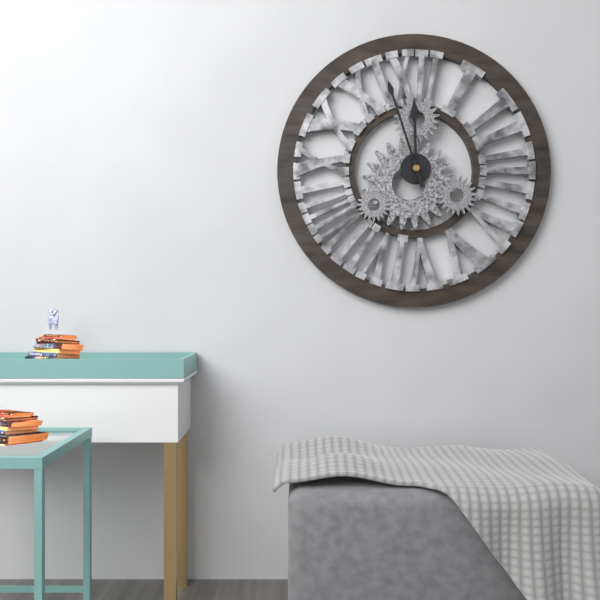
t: 11:57
